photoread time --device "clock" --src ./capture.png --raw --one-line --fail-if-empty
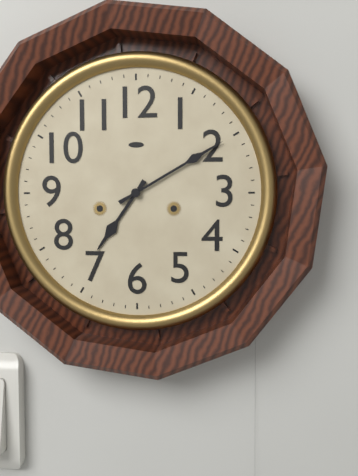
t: 7:10
